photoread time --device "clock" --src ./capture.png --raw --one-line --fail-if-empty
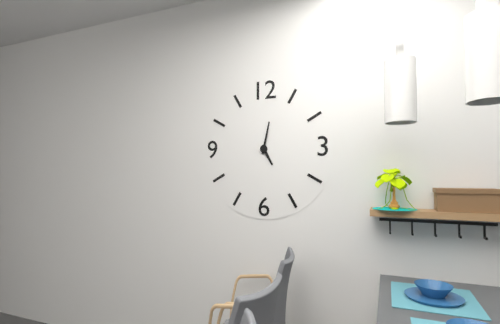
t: 5:02
